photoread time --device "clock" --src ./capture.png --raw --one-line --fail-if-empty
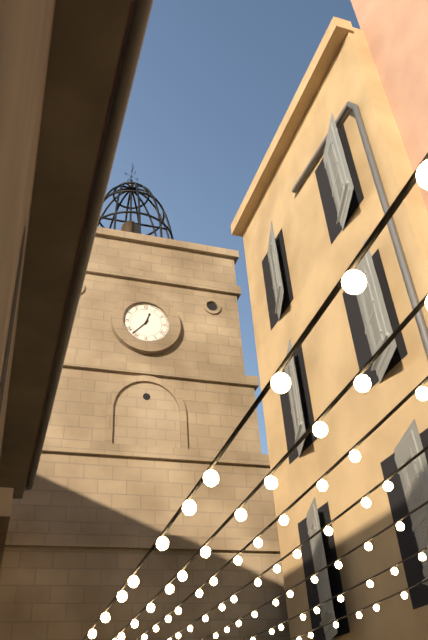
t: 12:37
